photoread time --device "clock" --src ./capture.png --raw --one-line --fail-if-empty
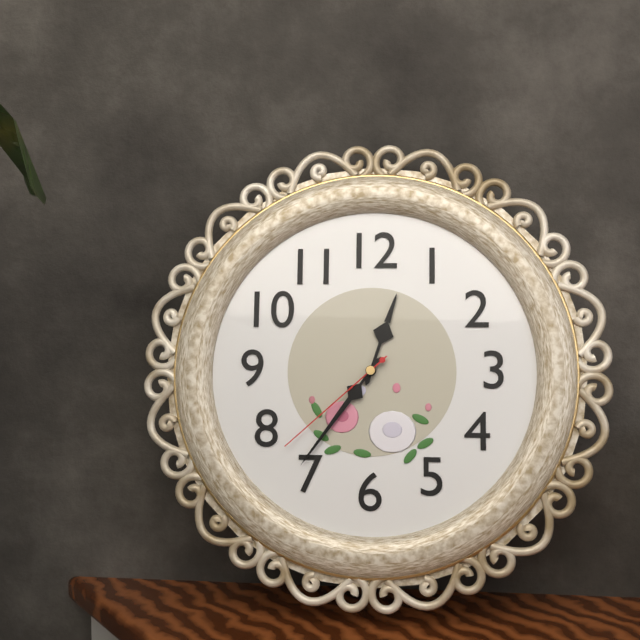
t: 12:36:38
